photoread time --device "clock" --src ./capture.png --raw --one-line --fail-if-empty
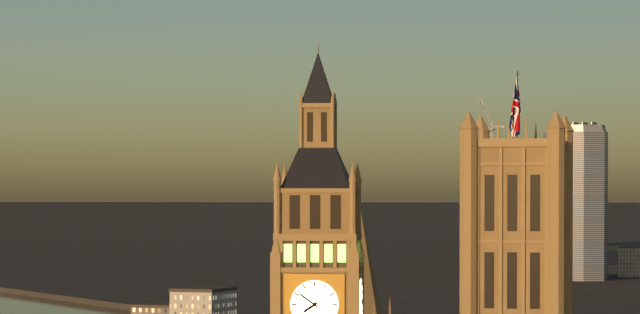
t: 7:51
